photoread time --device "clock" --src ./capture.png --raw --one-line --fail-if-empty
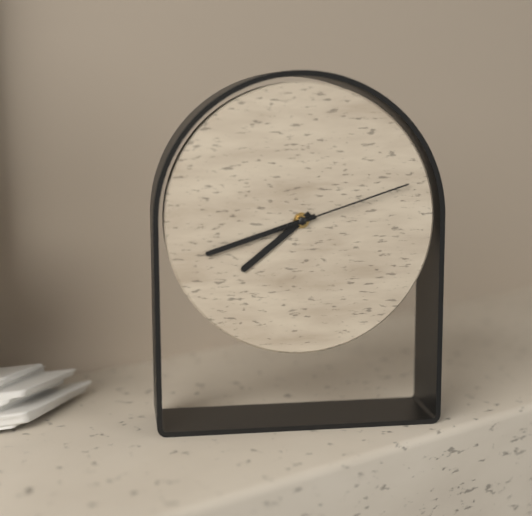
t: 7:42:12
